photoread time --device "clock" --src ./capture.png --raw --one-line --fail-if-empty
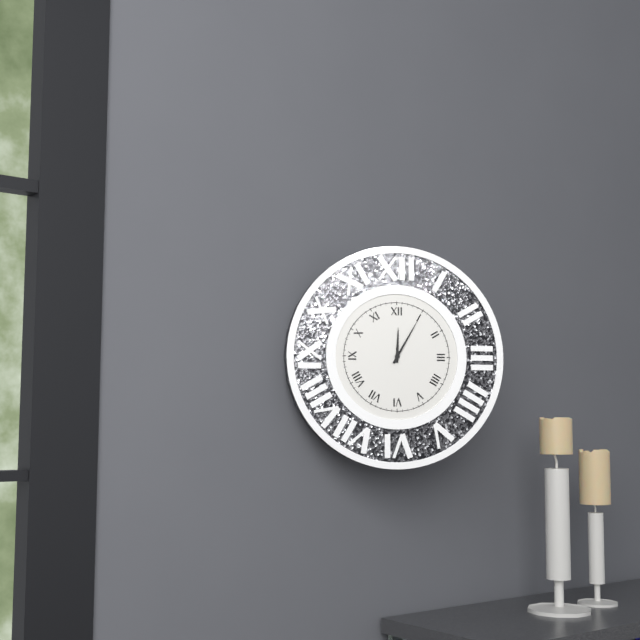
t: 12:05
